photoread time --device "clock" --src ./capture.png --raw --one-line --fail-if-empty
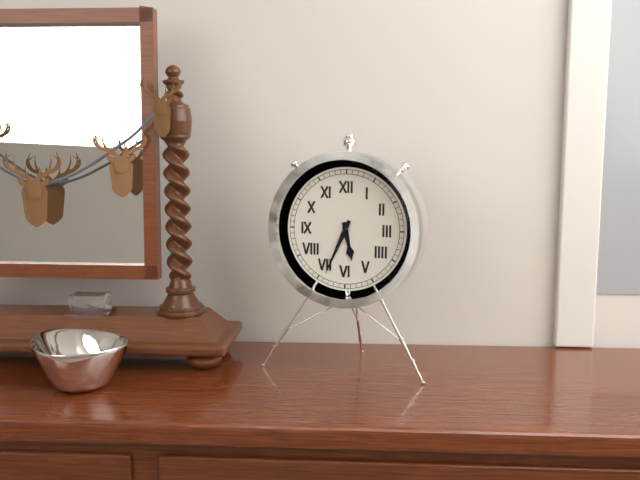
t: 5:34
